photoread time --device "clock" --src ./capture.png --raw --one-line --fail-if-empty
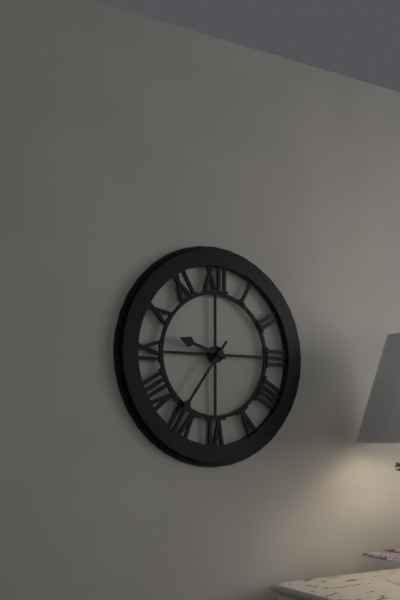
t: 9:36
